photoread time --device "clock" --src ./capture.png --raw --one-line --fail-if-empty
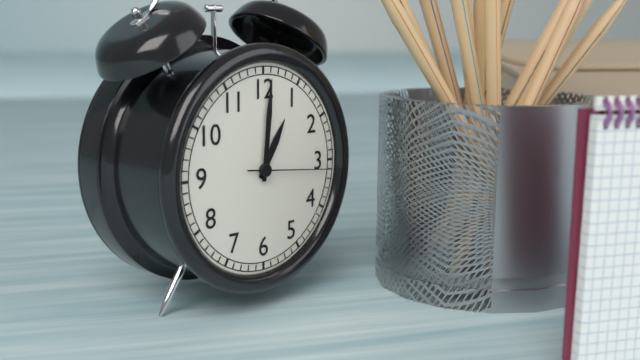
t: 1:01:16
